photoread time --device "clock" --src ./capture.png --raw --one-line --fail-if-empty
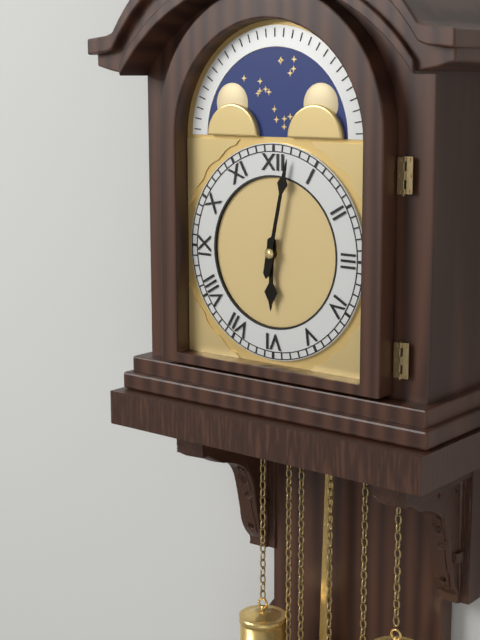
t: 6:02
